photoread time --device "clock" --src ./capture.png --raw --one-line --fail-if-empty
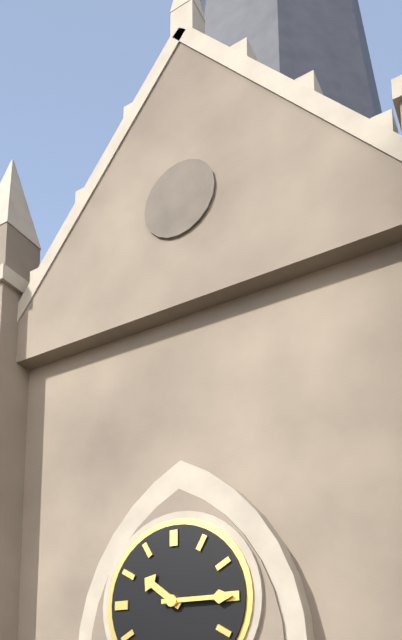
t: 10:15
